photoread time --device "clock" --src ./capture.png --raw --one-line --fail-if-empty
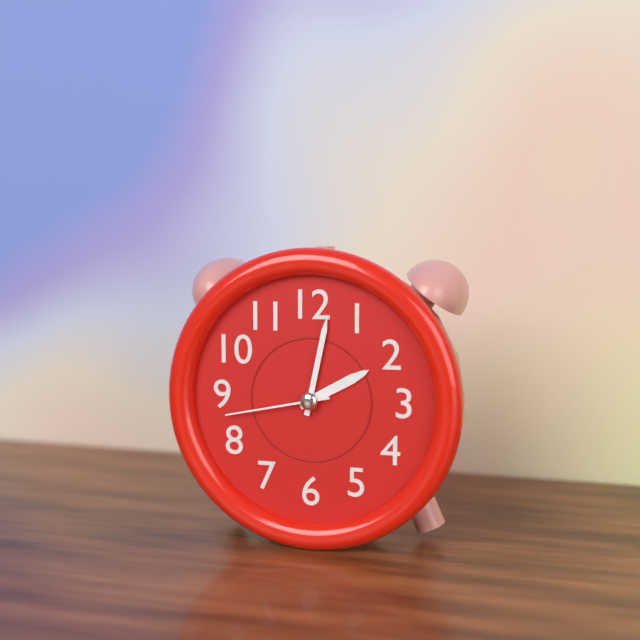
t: 2:02:43
